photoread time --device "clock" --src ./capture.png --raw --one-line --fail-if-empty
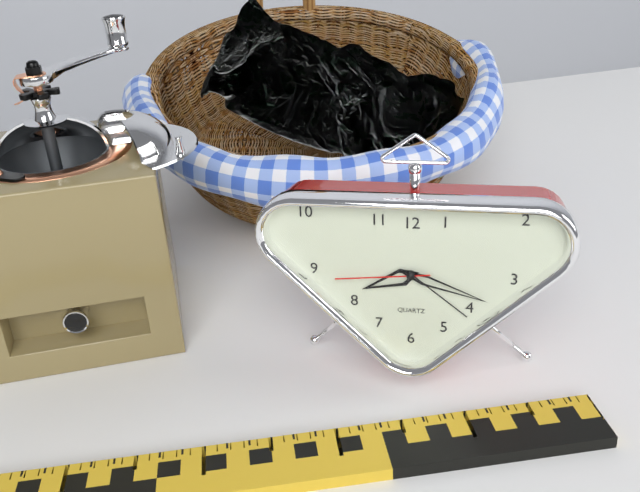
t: 8:18:44
